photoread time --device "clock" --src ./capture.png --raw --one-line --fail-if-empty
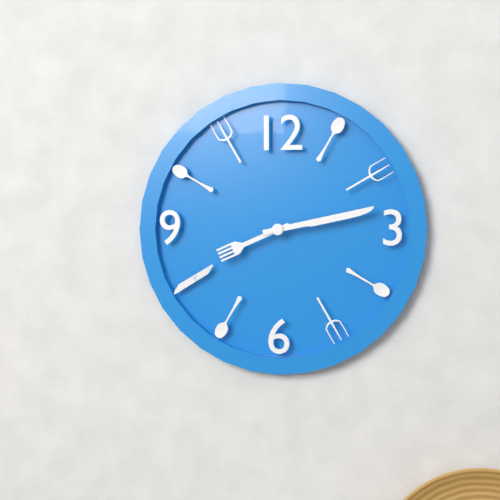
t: 8:13
